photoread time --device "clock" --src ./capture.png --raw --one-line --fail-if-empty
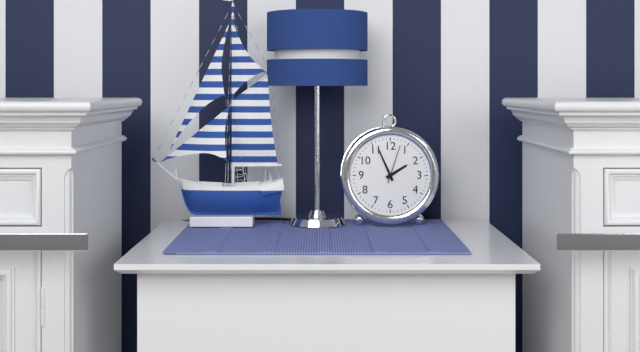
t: 1:56
